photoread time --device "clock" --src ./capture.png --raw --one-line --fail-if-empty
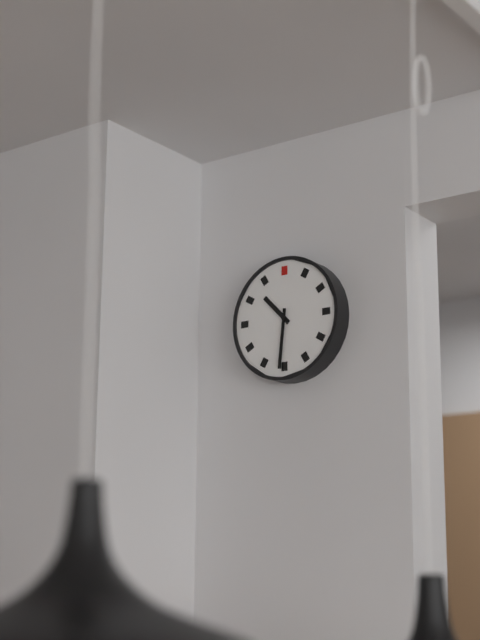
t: 10:31
